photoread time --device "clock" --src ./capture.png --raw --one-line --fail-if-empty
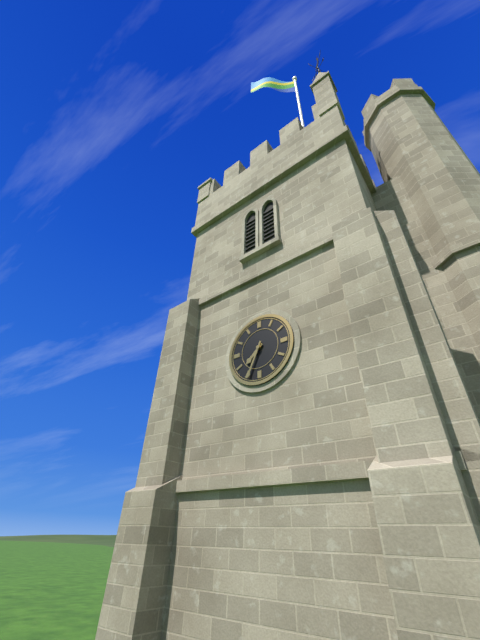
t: 7:34
